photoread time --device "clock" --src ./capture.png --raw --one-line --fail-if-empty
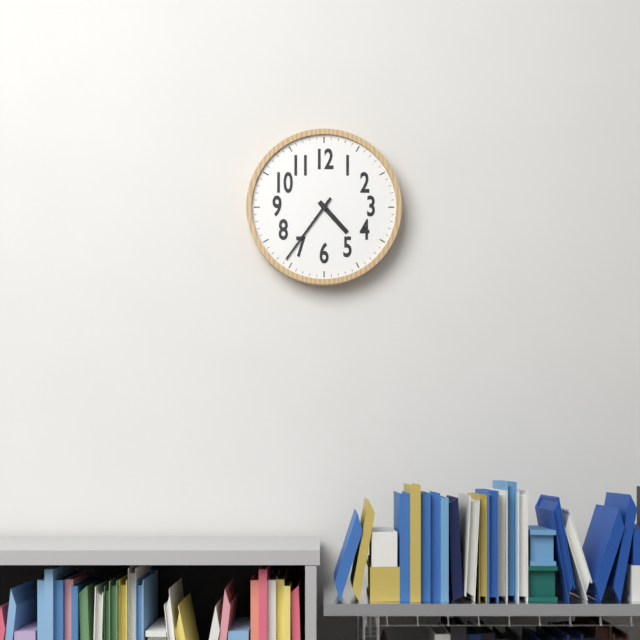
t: 4:36
